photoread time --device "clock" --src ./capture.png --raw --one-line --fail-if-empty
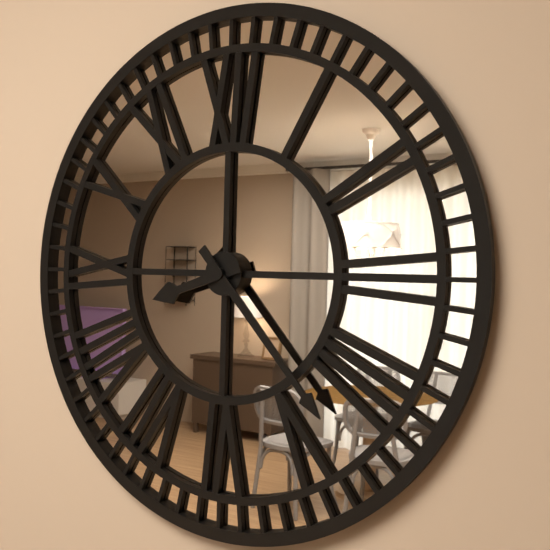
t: 8:23
